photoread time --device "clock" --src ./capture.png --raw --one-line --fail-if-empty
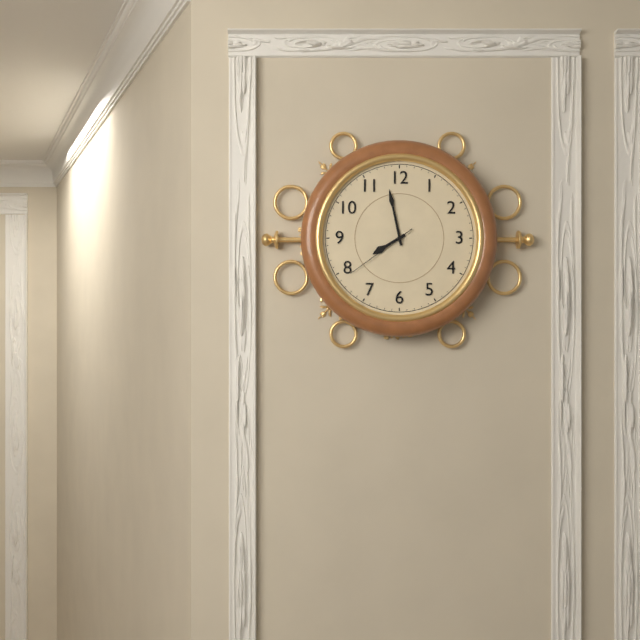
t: 7:58:39
